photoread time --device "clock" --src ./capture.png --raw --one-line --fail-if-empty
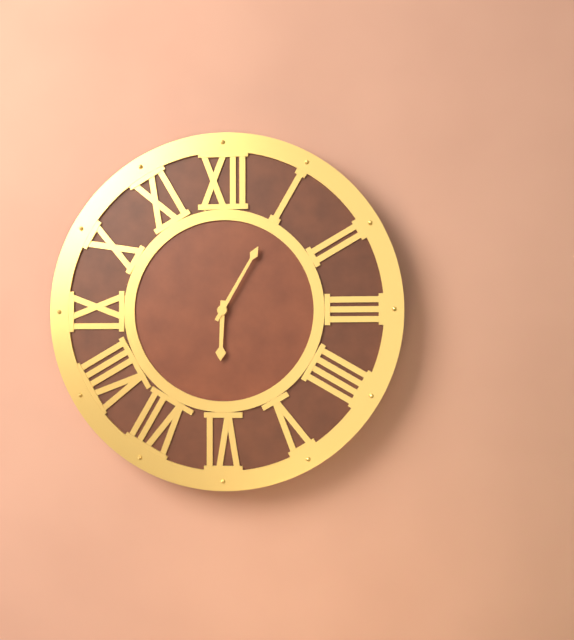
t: 6:05
